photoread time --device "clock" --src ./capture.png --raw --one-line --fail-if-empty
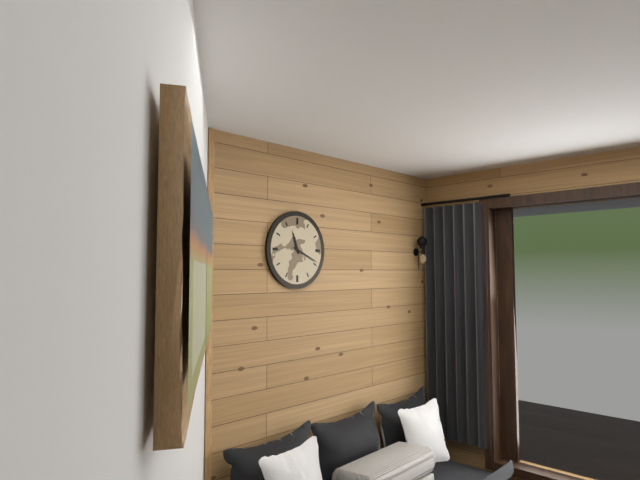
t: 11:19
